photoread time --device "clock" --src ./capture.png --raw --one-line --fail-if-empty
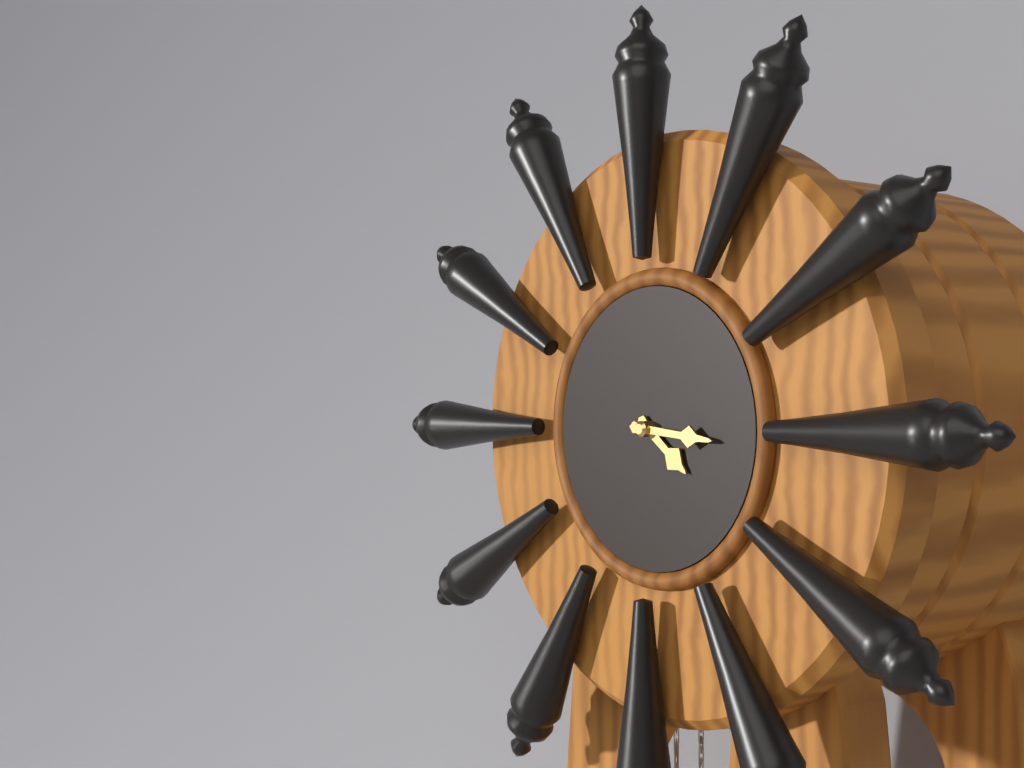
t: 4:16
